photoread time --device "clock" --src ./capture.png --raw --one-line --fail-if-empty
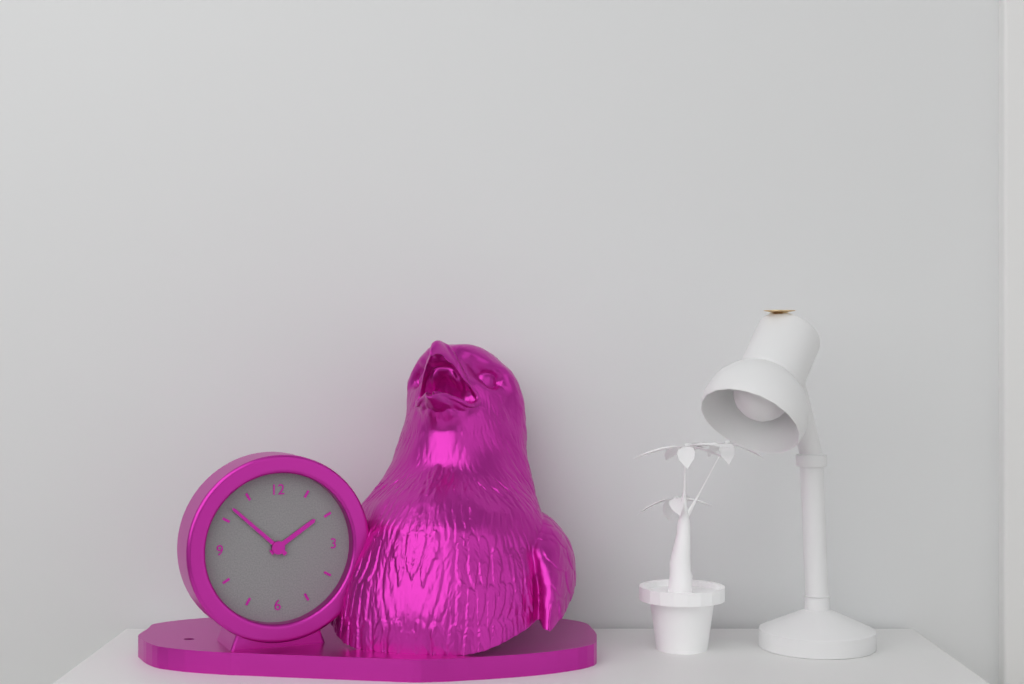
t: 1:52
